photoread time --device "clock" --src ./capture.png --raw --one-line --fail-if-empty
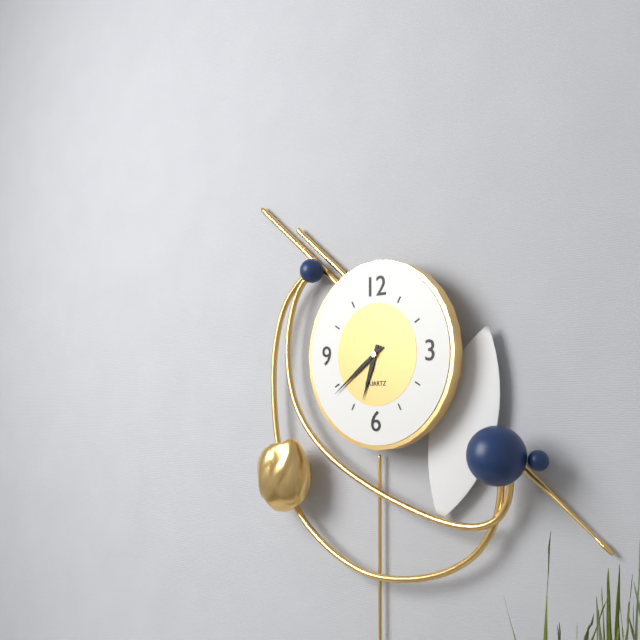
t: 6:39
